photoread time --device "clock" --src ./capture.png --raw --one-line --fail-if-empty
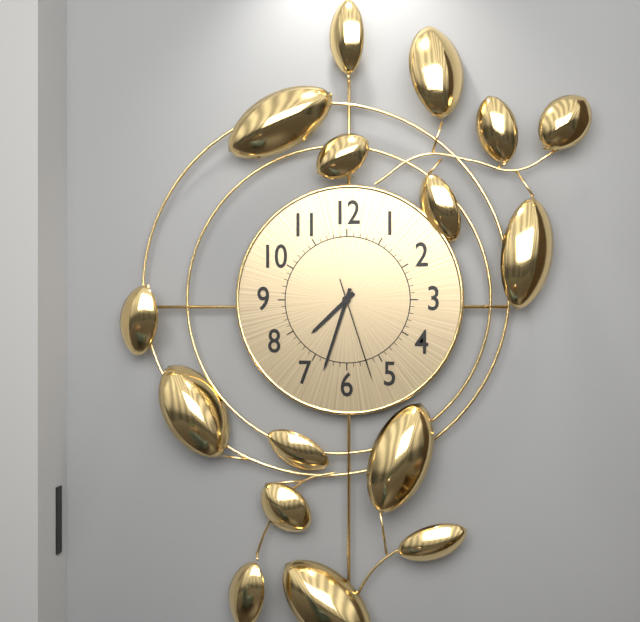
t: 7:33:27
